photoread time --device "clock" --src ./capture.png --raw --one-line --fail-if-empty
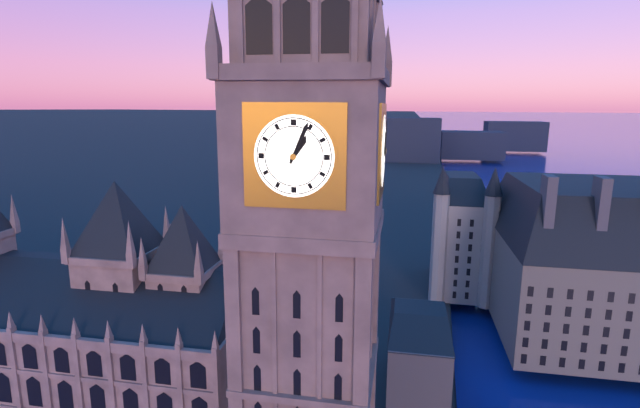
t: 1:04
